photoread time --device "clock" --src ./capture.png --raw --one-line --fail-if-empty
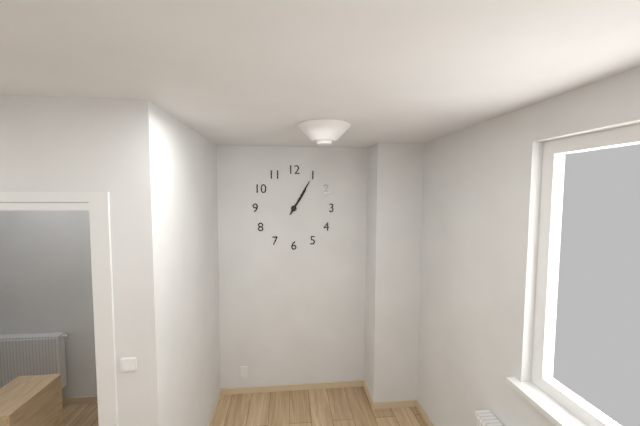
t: 1:05
